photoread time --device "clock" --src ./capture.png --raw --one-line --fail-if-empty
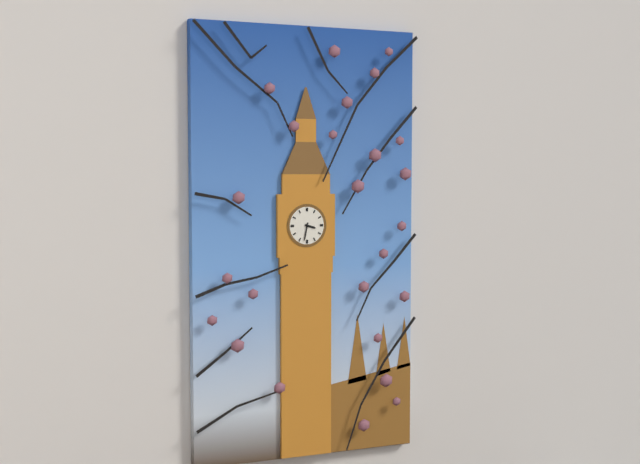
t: 3:32
